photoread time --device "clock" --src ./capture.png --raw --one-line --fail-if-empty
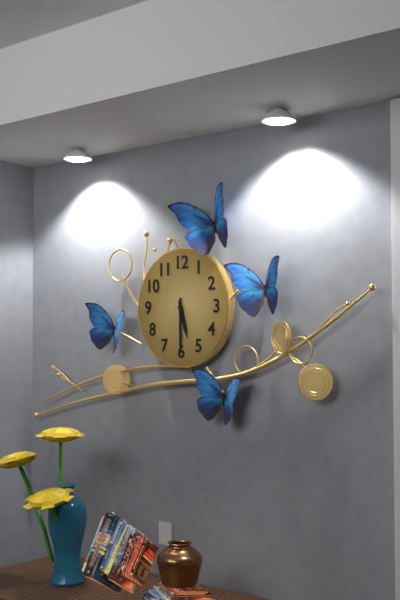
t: 5:30
